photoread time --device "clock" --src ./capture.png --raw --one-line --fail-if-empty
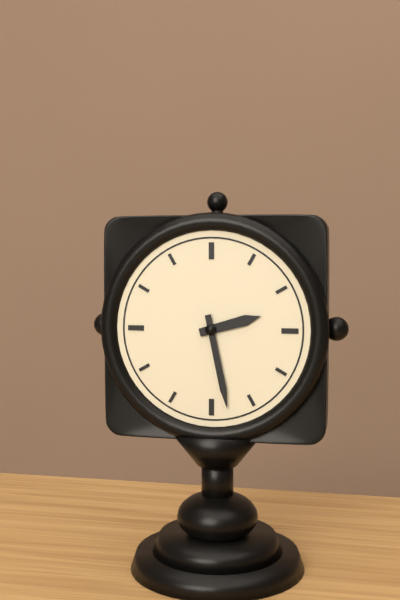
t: 2:28
